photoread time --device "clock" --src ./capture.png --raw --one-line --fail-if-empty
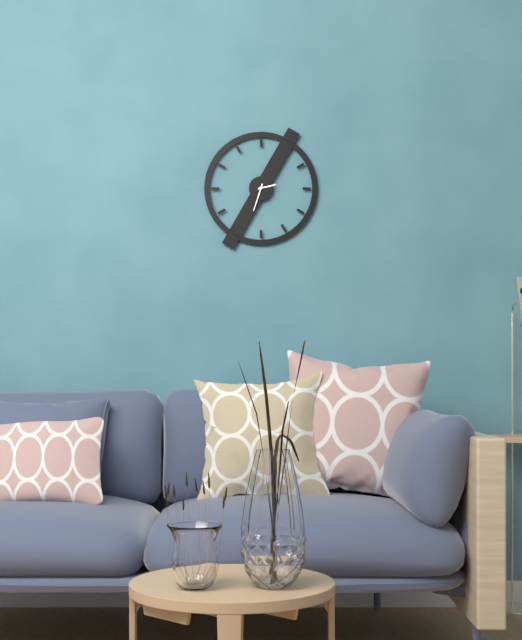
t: 2:33
